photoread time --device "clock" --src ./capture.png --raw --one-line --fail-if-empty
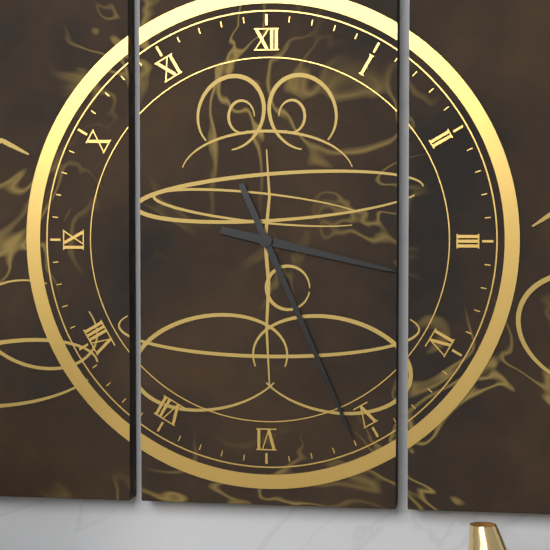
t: 3:26
